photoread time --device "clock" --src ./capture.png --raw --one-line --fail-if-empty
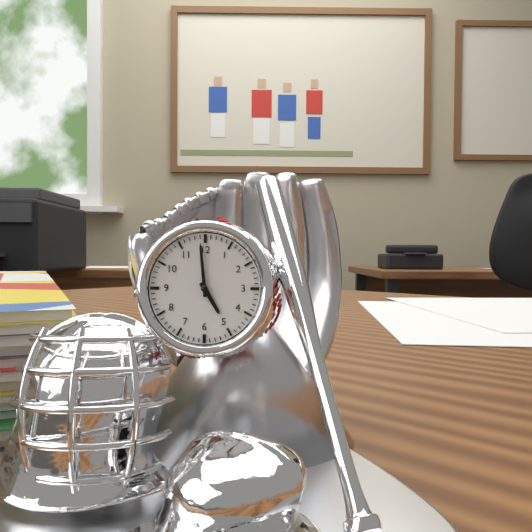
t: 4:59
